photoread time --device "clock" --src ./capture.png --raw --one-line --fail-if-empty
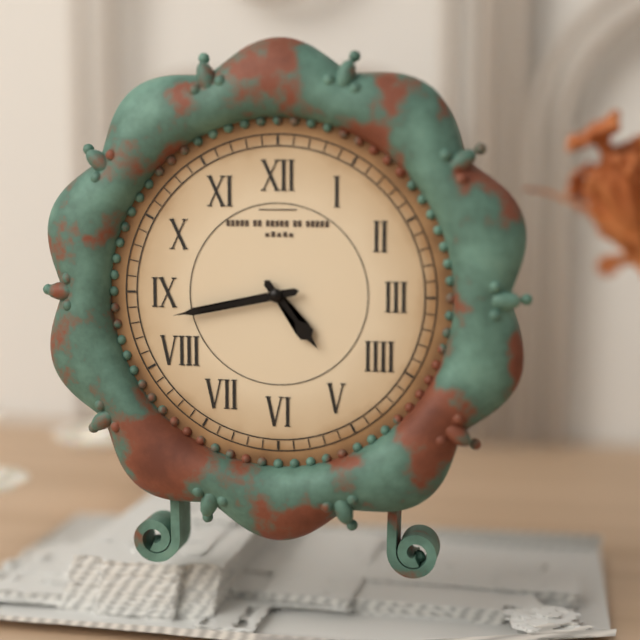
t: 4:43
